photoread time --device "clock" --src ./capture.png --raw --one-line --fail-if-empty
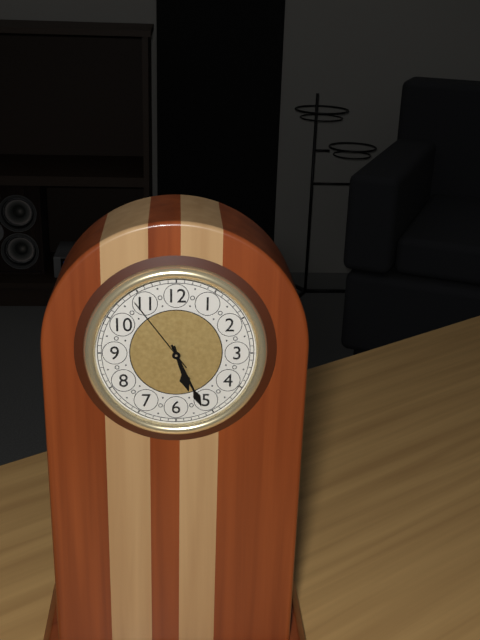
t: 5:26:54
